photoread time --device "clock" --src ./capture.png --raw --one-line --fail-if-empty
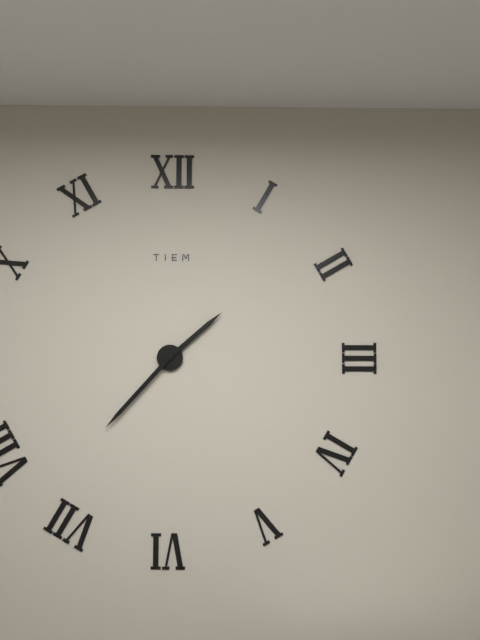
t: 1:37
